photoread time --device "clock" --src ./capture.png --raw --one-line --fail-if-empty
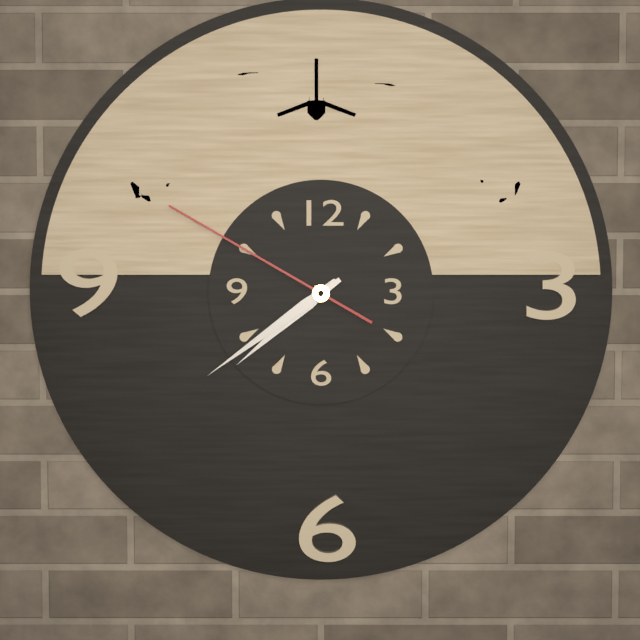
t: 7:39:50
